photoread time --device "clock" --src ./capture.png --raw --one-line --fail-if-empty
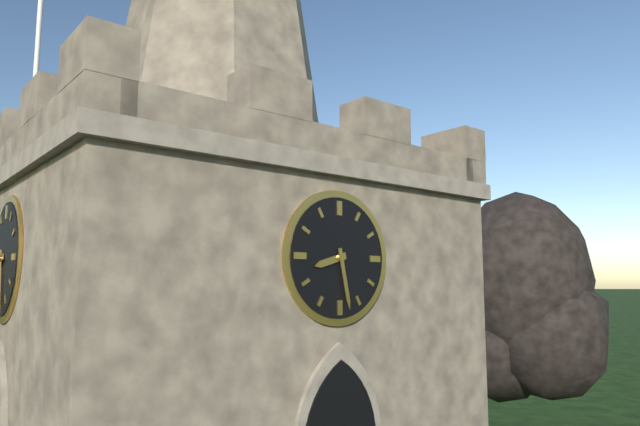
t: 8:28
